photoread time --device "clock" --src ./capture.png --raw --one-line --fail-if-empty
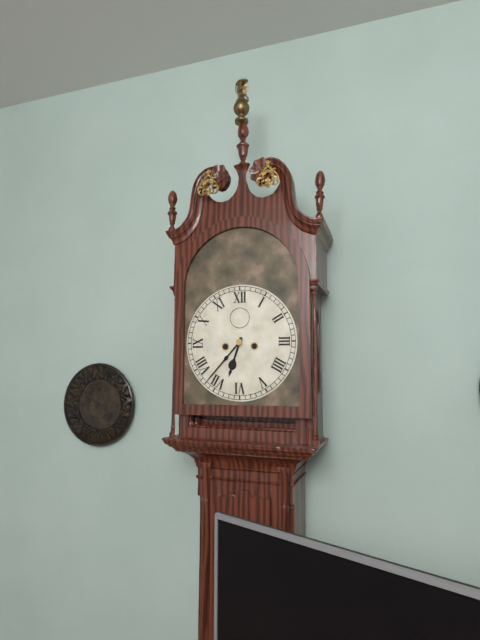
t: 6:37
